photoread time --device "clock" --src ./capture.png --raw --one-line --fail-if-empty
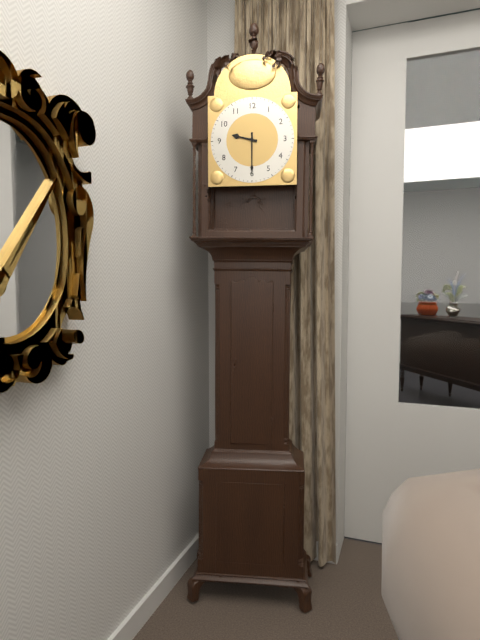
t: 9:30
